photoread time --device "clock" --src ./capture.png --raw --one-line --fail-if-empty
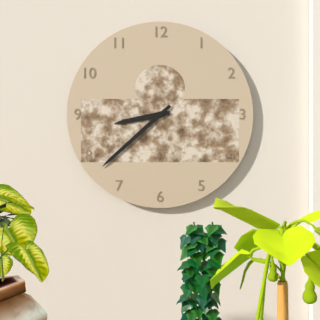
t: 8:38
